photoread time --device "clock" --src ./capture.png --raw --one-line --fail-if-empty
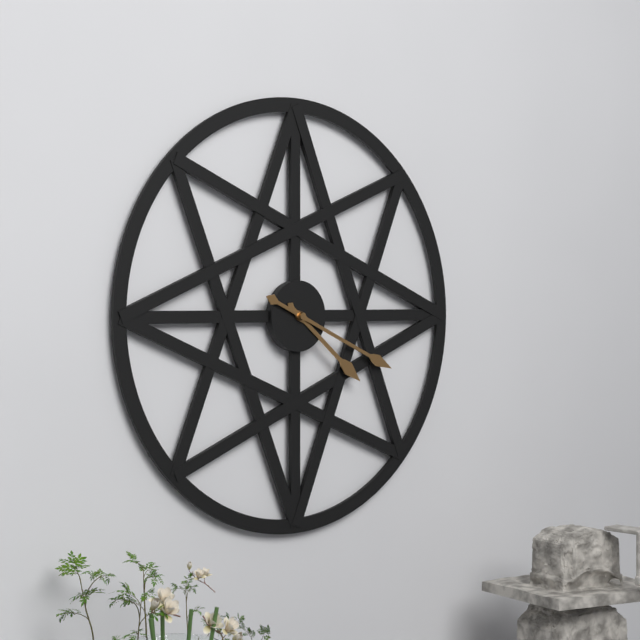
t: 4:19
